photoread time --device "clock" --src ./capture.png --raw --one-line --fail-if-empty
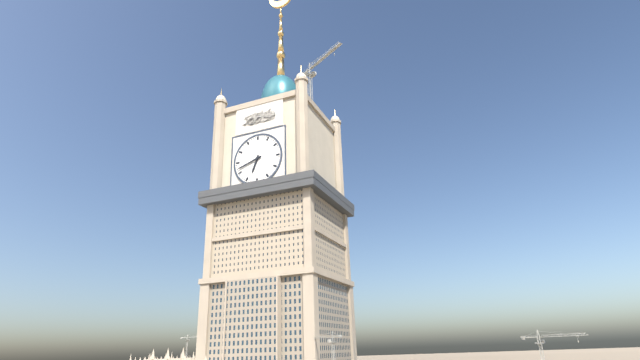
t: 6:42
